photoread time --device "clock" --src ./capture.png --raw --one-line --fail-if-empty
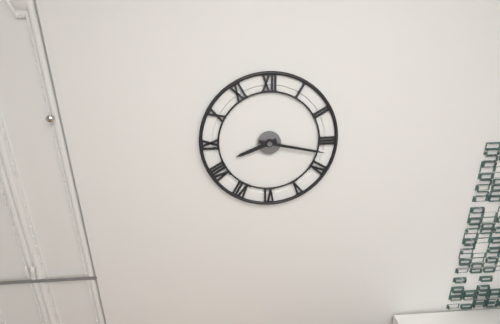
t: 8:17
